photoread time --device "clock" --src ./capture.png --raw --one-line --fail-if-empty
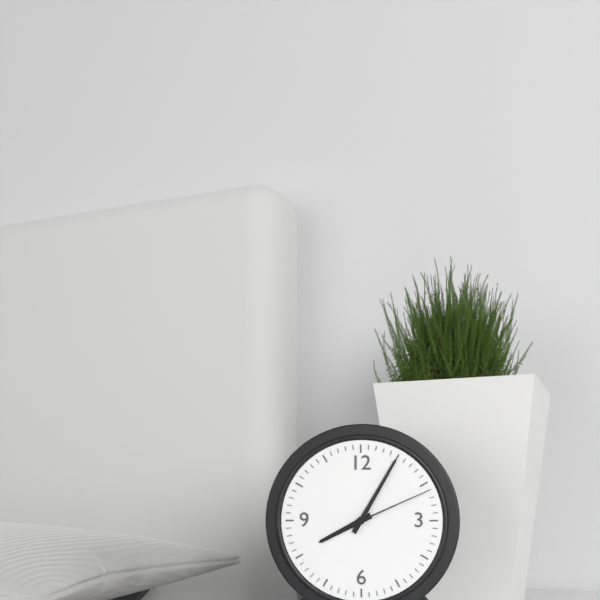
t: 8:05:11
